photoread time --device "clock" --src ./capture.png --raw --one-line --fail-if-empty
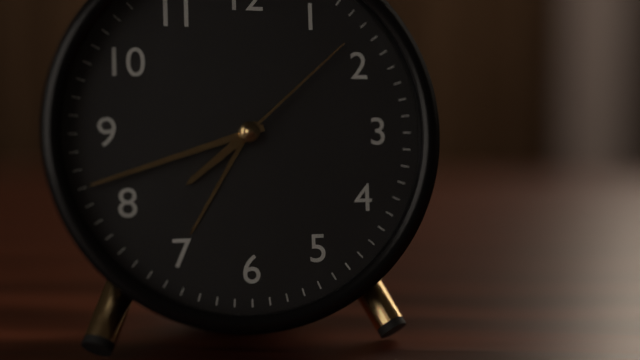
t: 7:42:08
